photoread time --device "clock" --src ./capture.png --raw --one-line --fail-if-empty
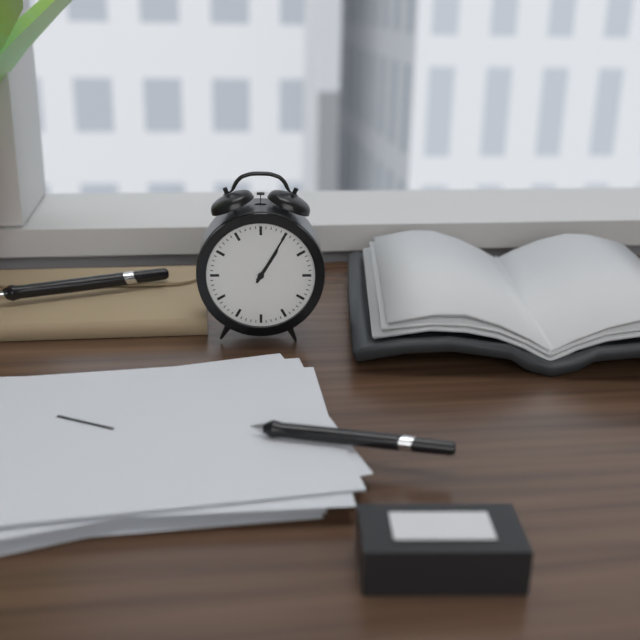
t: 1:05
